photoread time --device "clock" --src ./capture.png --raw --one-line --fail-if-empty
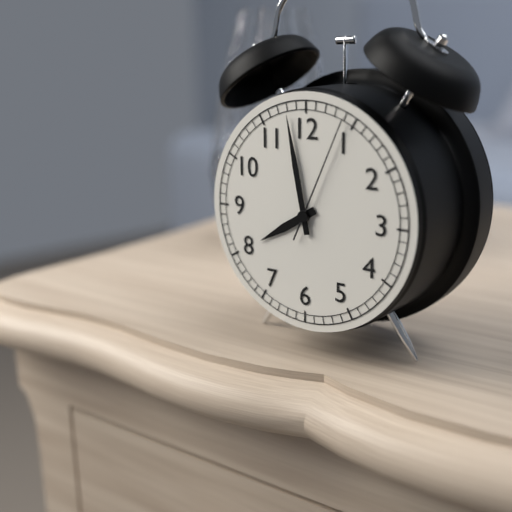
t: 7:58:04
